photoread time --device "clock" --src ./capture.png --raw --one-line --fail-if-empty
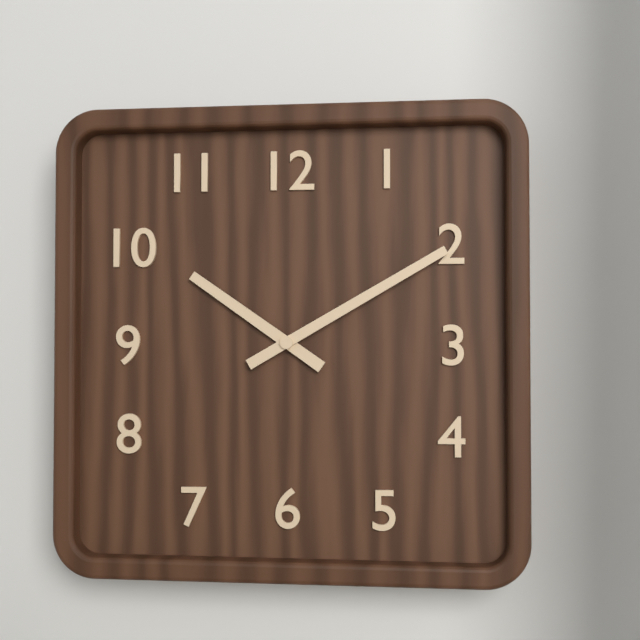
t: 10:10
